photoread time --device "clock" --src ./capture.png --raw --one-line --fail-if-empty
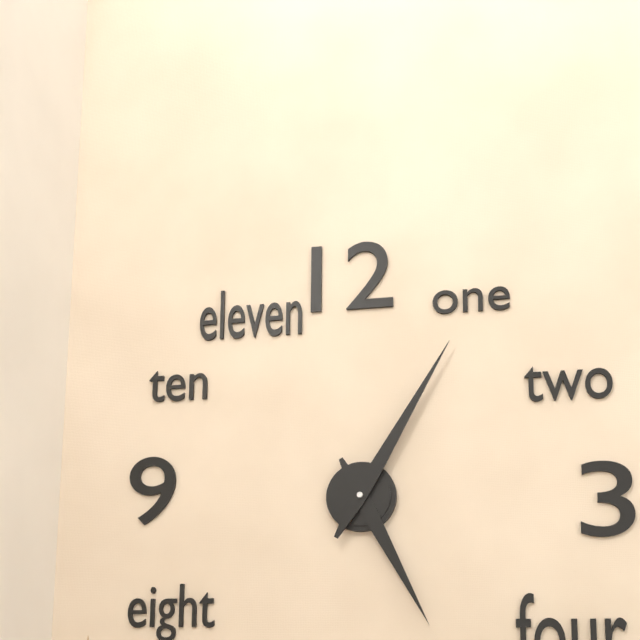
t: 5:05
